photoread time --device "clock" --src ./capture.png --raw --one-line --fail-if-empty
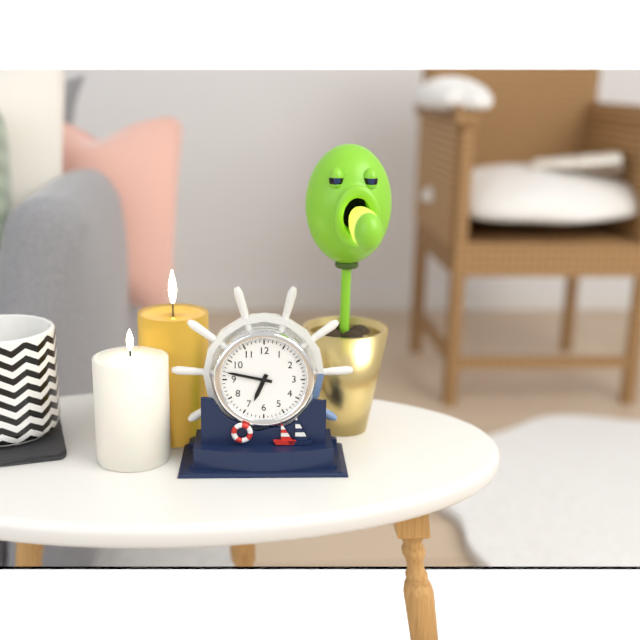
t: 6:47
